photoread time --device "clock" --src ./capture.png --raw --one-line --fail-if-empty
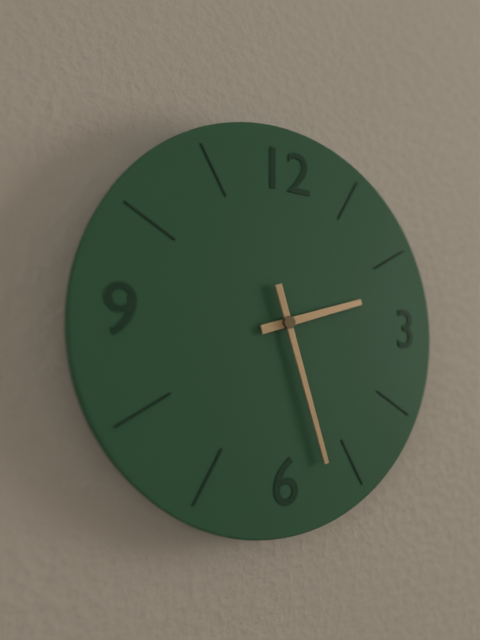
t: 2:27
